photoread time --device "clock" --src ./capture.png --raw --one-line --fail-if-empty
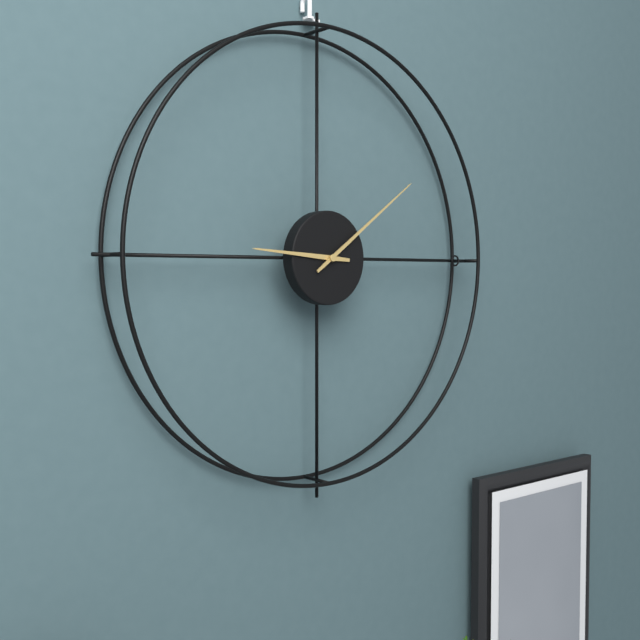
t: 9:09
